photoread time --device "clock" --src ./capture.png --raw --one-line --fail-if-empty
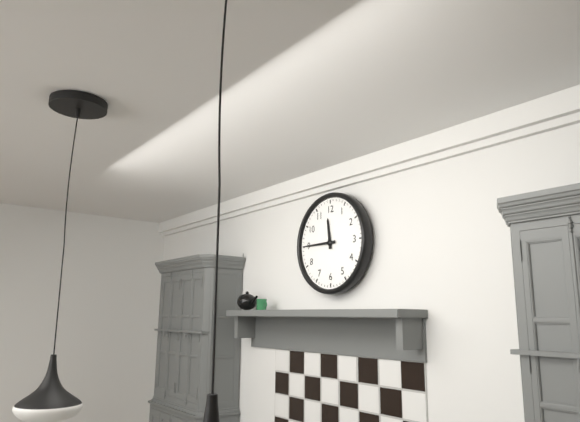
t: 11:45
